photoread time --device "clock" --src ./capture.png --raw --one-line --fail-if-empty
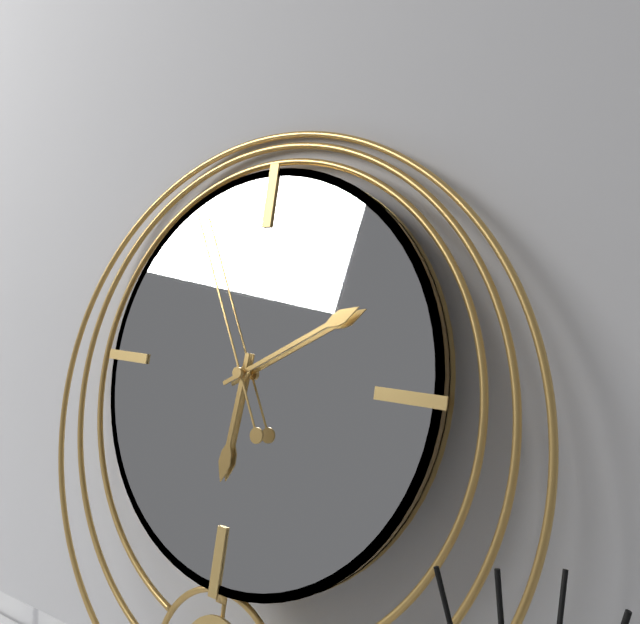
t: 6:10:55
